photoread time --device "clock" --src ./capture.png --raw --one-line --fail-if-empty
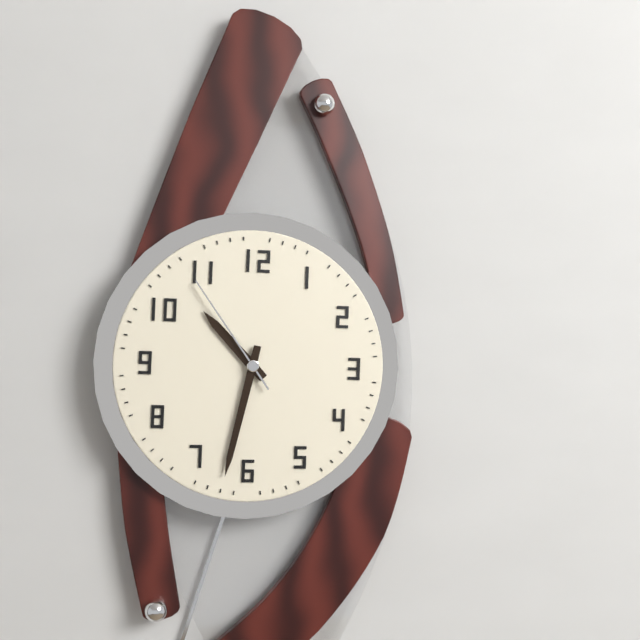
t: 10:32:54
